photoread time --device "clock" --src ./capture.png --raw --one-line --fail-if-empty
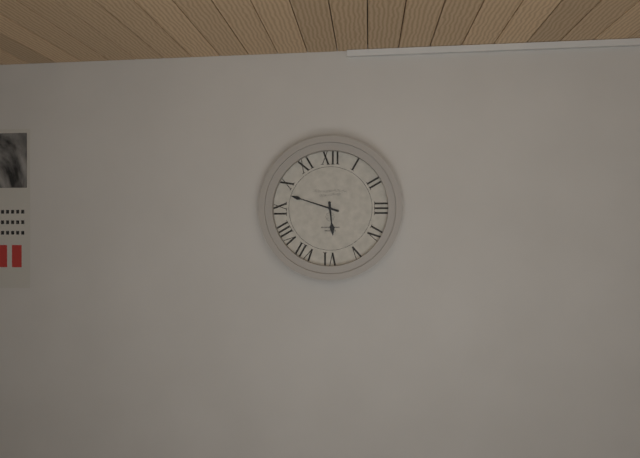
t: 5:48
